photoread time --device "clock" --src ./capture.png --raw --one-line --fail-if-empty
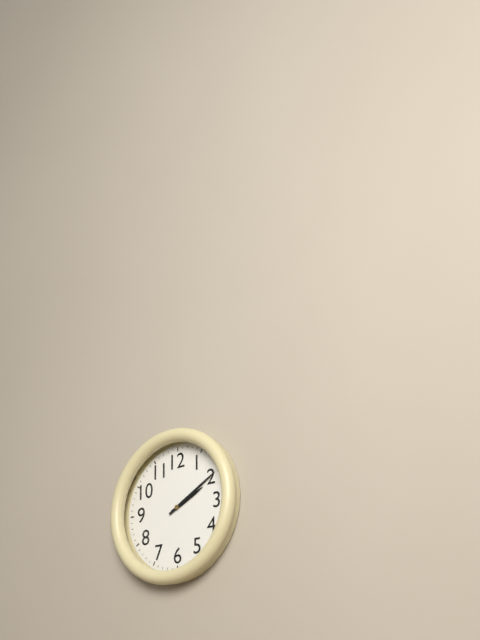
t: 2:10
